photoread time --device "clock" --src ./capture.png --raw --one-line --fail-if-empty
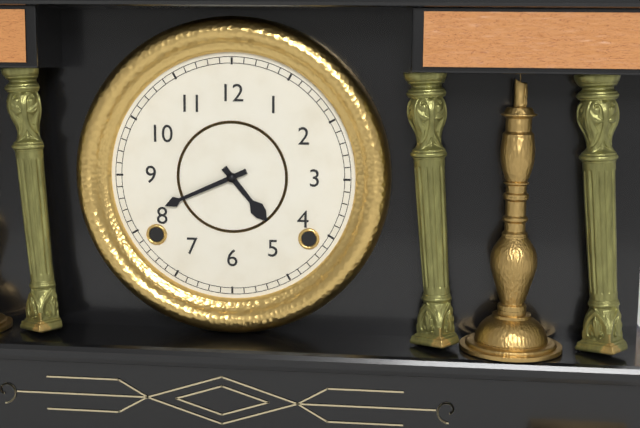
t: 4:41
